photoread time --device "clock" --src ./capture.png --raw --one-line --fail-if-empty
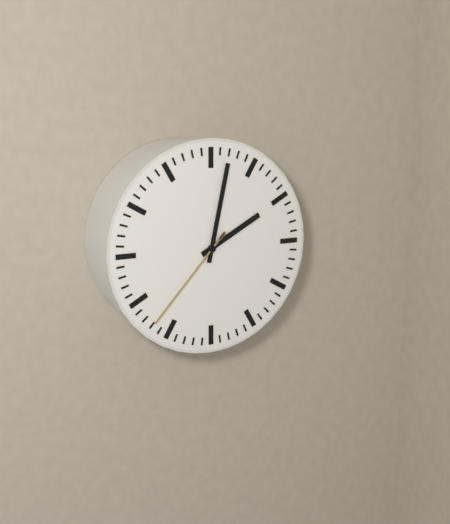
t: 2:02:37
